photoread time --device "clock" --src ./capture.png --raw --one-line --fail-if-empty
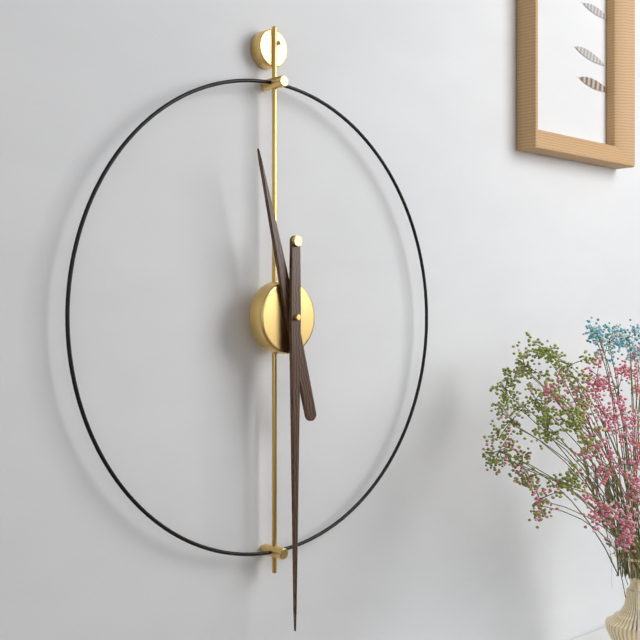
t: 11:30
